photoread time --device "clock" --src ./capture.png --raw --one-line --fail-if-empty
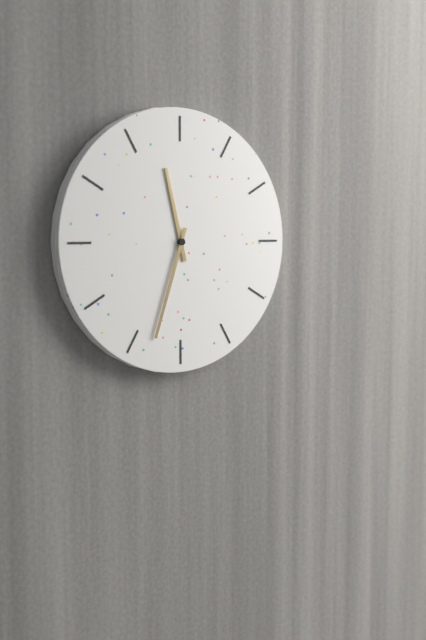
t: 11:33
